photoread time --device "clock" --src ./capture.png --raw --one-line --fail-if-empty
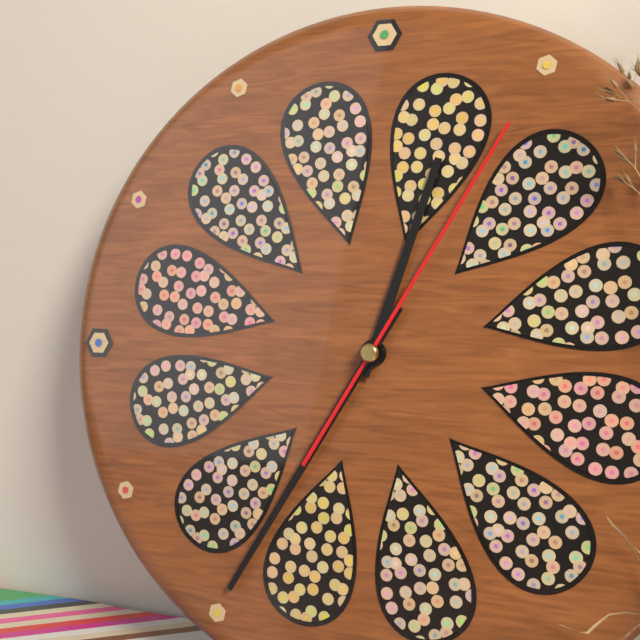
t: 12:35:05
